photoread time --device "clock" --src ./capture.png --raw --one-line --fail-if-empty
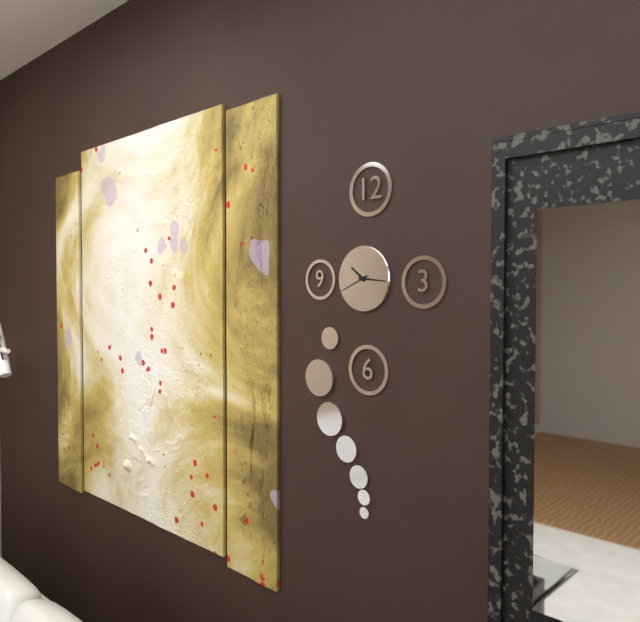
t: 10:16
